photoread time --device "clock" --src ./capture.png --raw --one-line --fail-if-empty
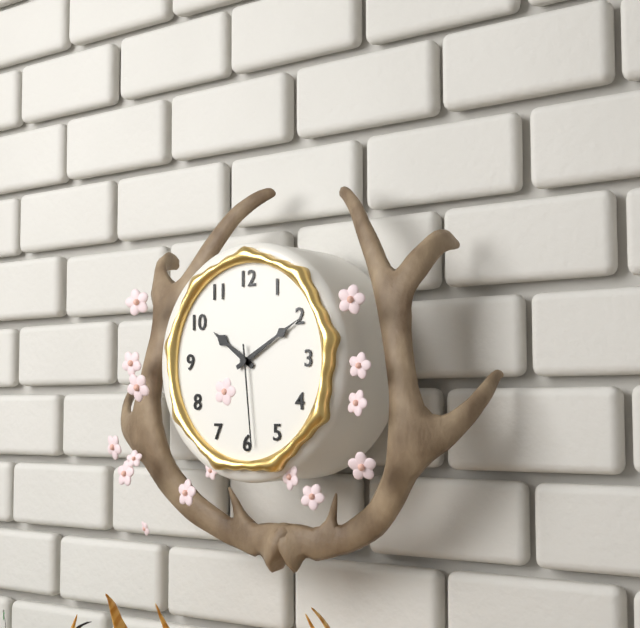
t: 10:10:29
